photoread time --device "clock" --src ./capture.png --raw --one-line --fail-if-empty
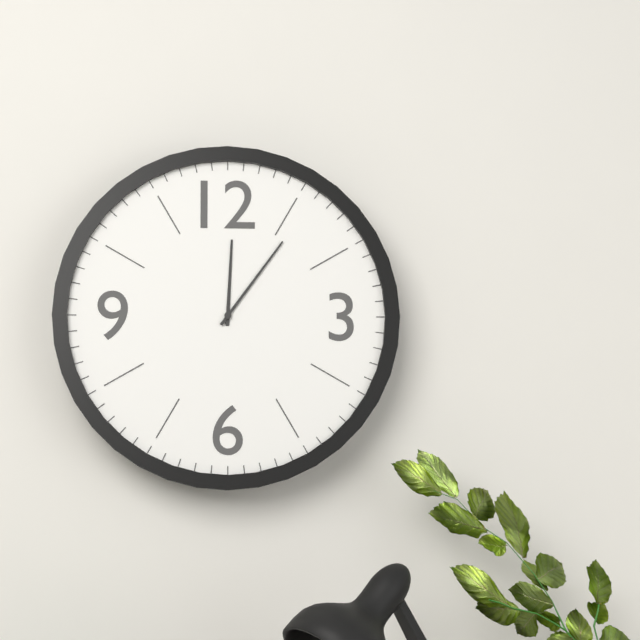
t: 12:06
